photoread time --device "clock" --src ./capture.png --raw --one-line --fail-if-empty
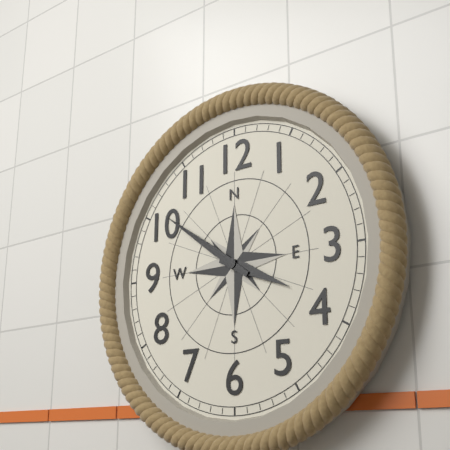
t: 3:51
